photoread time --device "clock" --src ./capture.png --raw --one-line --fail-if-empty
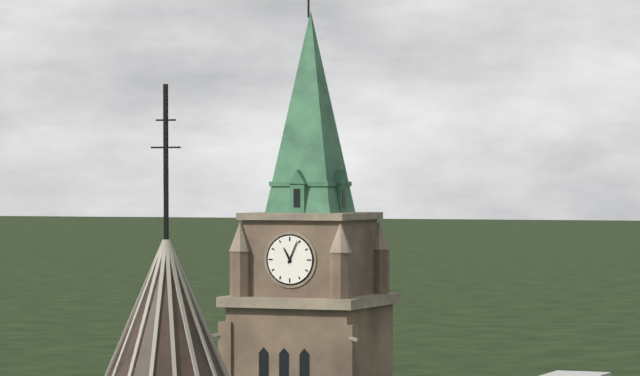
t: 11:04
